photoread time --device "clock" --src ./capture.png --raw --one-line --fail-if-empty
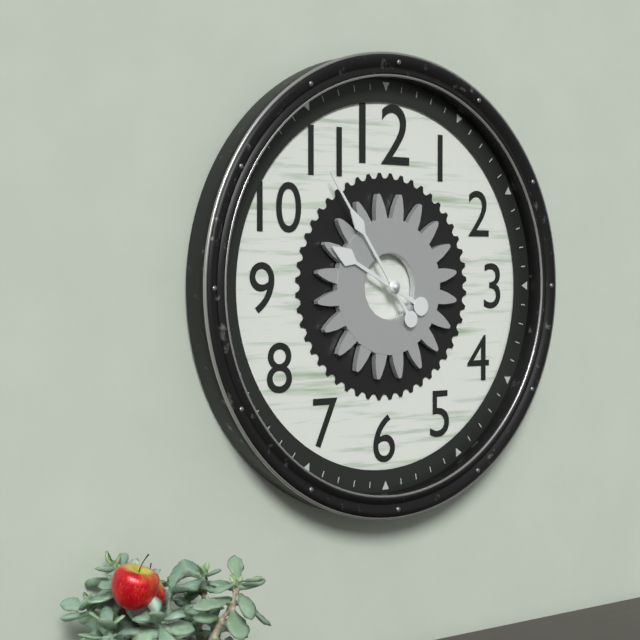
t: 9:54
